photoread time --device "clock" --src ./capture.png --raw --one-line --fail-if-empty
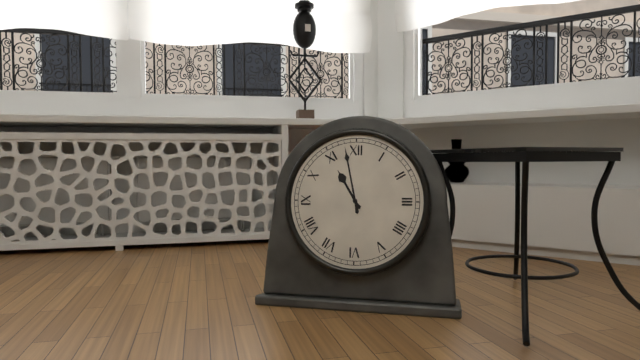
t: 10:58
